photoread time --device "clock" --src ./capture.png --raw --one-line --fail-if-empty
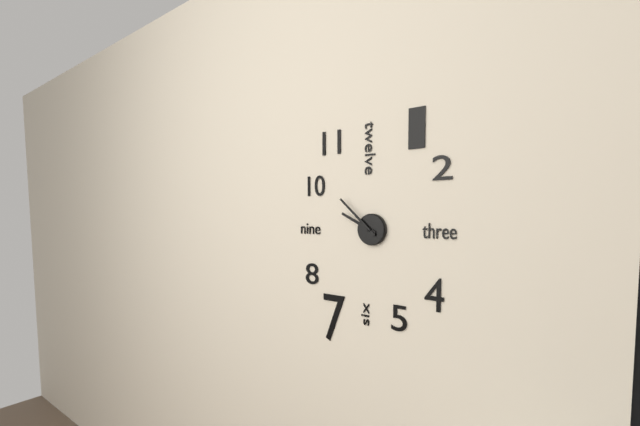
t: 9:52
